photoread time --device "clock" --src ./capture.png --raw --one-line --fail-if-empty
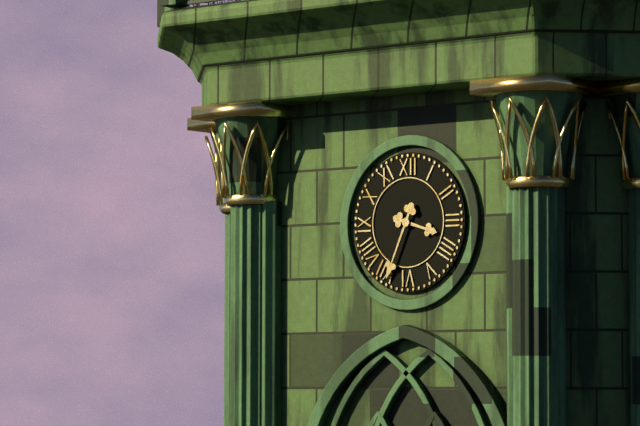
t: 3:34
